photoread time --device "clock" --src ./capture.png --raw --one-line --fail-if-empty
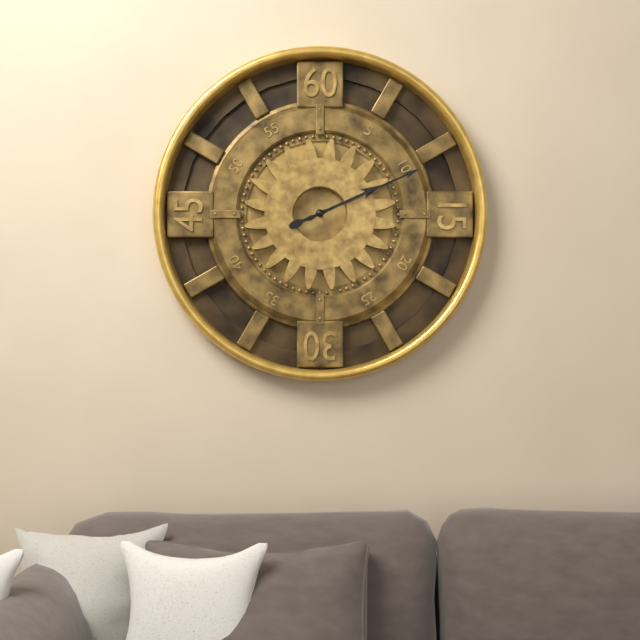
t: 2:11
